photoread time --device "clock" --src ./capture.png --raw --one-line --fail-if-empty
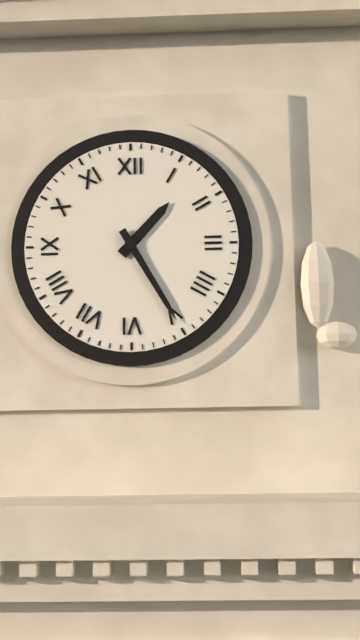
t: 1:25
